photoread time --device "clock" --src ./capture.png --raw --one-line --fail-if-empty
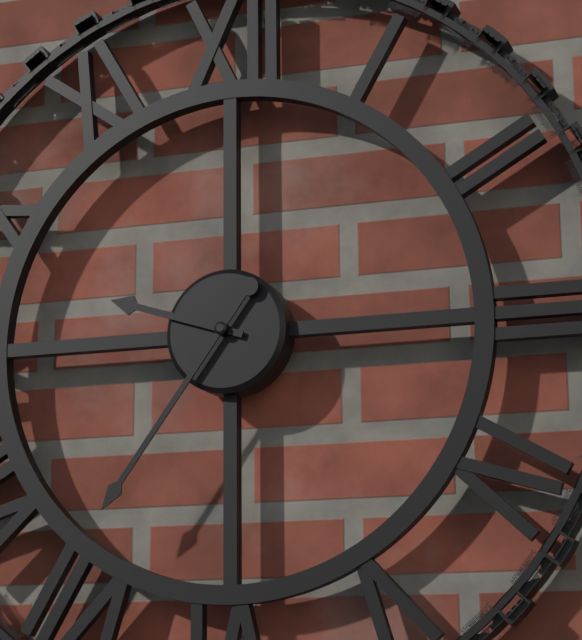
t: 9:36
